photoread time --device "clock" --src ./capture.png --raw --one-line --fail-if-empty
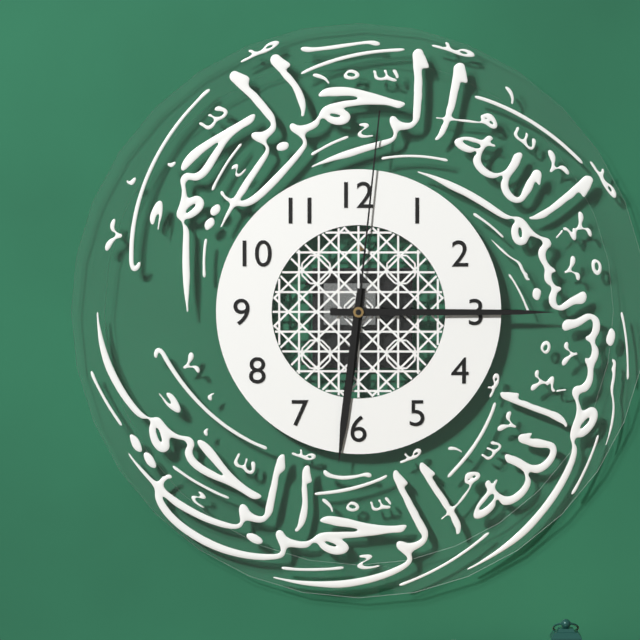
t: 6:15:01
